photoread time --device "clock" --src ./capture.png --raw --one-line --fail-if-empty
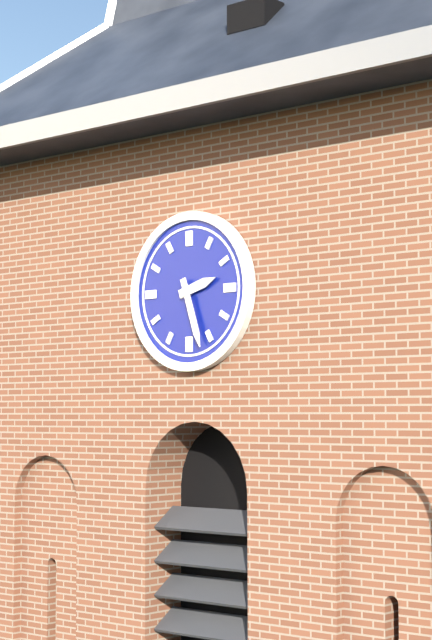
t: 2:27
